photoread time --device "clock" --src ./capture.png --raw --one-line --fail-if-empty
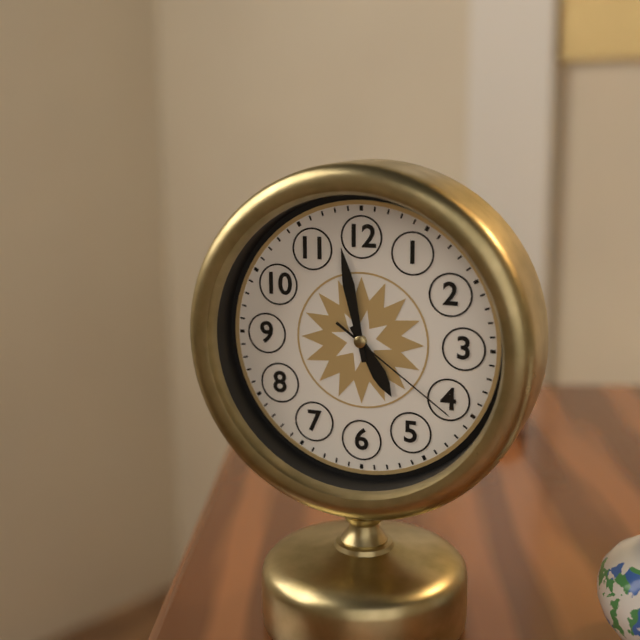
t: 4:58:21
